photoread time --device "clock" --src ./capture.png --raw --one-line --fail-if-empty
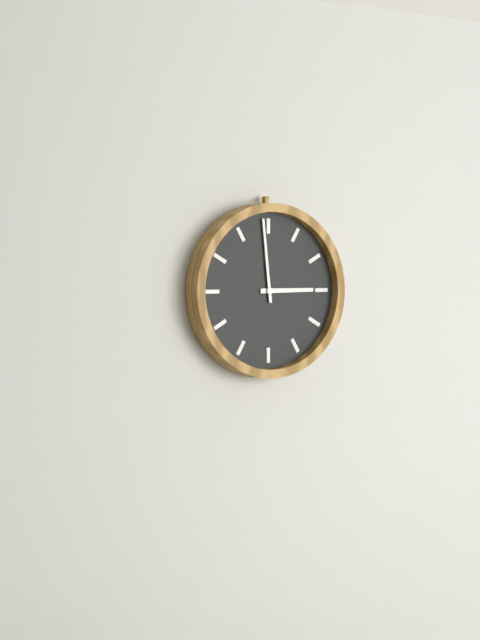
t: 2:59
